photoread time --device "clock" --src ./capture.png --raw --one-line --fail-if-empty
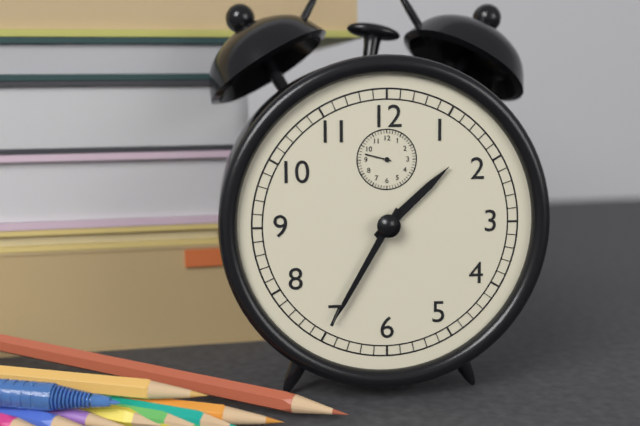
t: 1:35
